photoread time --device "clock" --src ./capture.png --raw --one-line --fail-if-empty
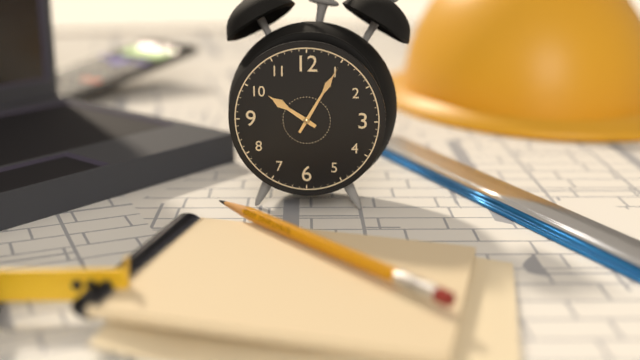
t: 10:05
